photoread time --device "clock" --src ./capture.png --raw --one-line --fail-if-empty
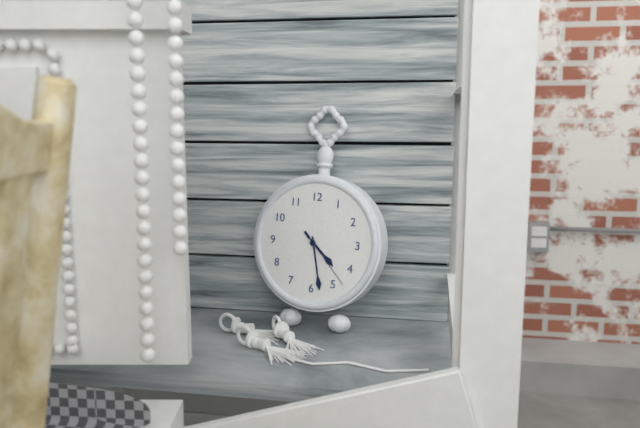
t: 4:28:23
